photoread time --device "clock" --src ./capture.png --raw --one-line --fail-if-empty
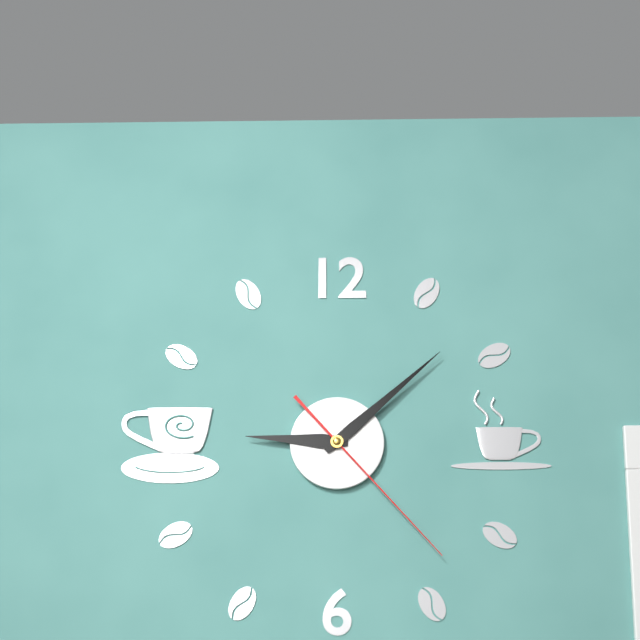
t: 9:08:23
